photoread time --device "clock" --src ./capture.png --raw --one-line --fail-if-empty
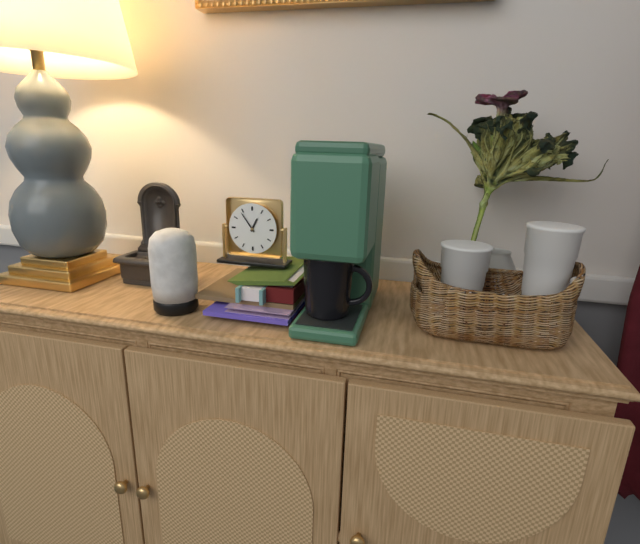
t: 12:54
